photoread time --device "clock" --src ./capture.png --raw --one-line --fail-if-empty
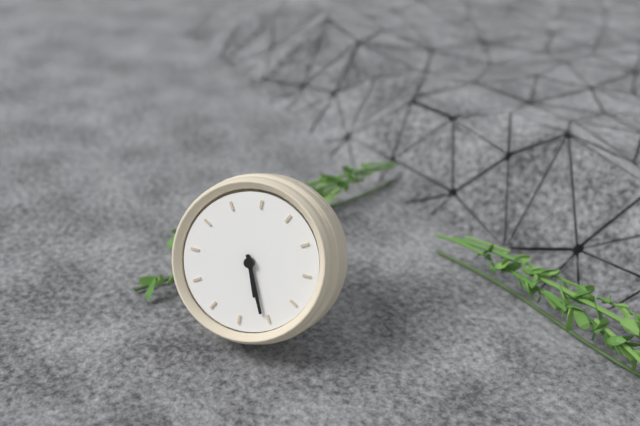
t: 4:21
